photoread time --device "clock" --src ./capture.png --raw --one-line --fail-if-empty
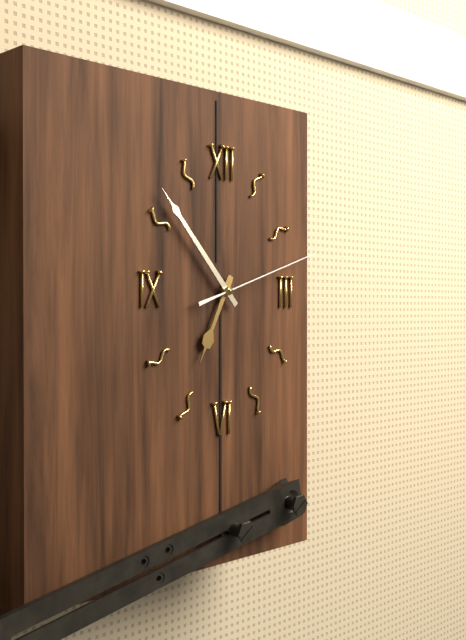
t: 6:53:12
